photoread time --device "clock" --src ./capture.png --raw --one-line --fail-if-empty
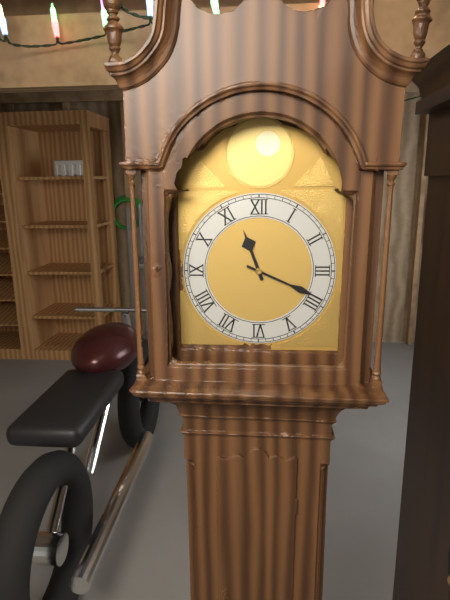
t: 11:19
